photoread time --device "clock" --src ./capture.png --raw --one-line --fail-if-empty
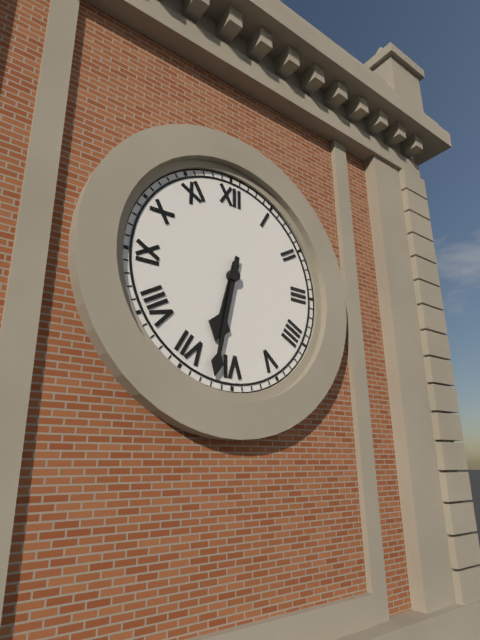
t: 6:32
